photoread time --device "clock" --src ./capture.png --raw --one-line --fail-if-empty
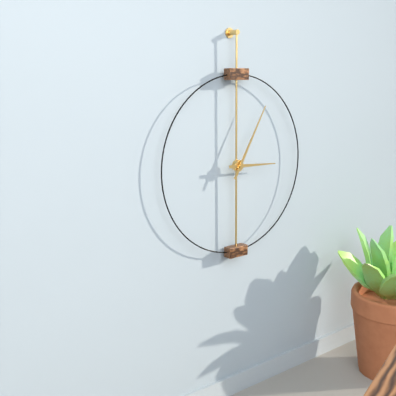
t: 3:05
